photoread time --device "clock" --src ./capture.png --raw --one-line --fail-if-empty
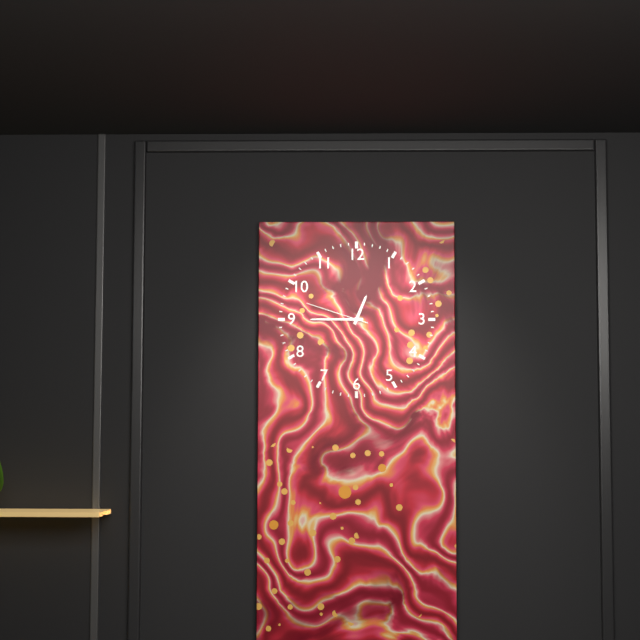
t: 12:45:48
